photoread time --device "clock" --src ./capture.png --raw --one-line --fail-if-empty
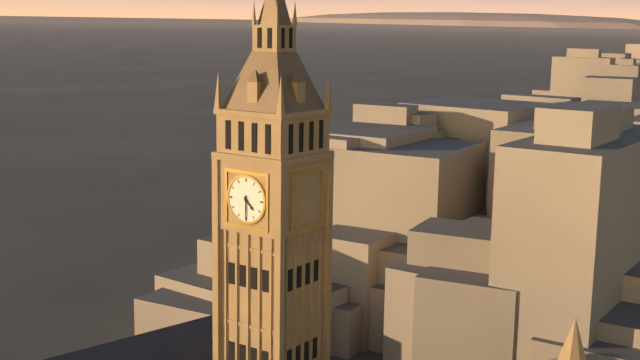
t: 4:30
